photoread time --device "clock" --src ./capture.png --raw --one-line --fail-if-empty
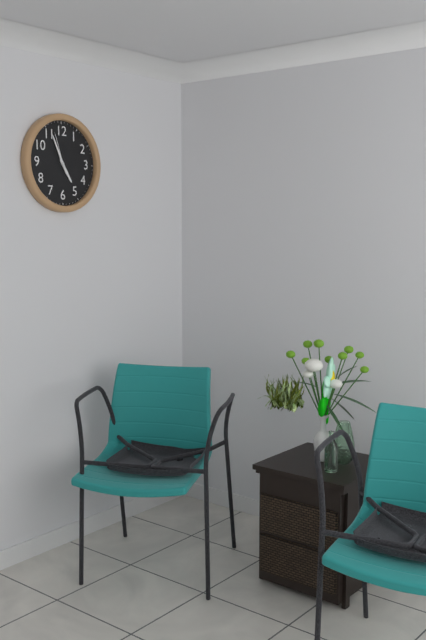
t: 4:56
